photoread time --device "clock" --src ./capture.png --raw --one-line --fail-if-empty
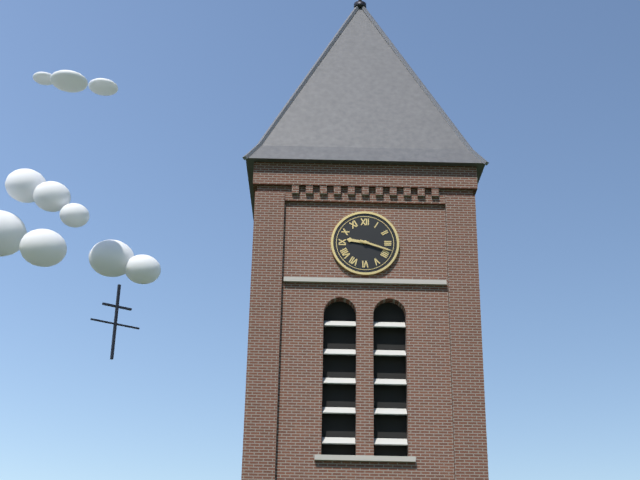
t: 9:18
